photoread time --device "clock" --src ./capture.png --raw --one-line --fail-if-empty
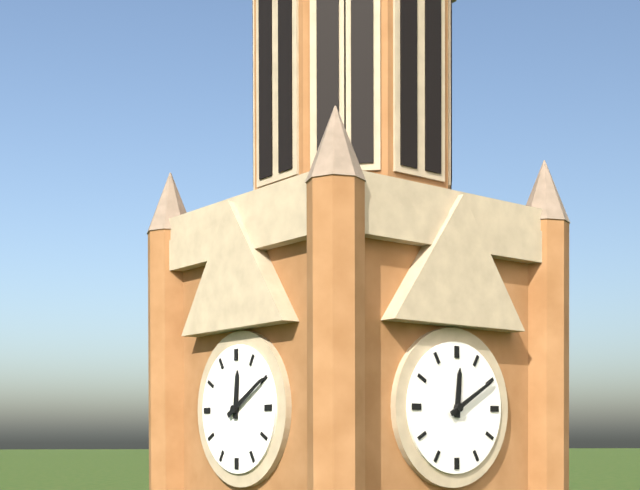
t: 12:10
